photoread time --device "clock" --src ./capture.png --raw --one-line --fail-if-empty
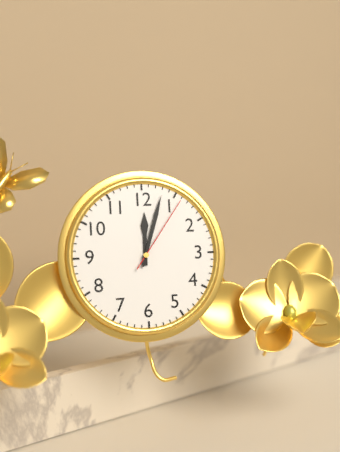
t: 12:03:06
